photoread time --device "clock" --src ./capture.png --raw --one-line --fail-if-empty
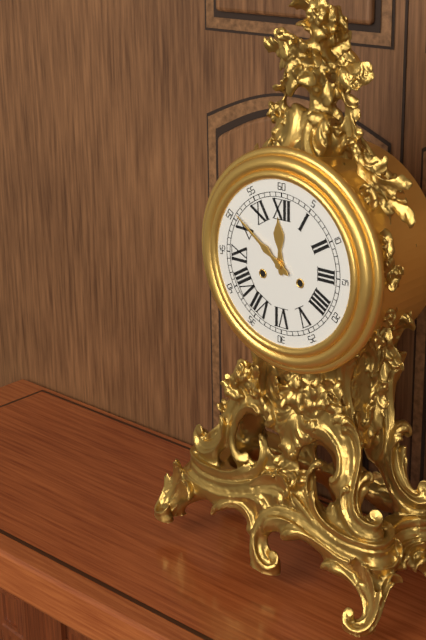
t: 11:51
